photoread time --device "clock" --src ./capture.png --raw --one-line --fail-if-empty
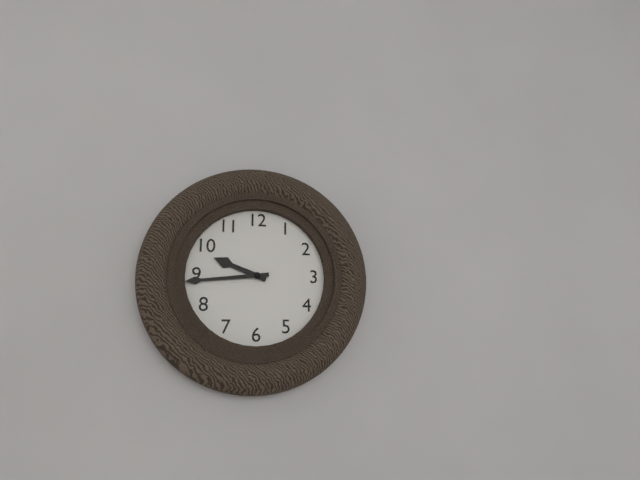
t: 9:44
